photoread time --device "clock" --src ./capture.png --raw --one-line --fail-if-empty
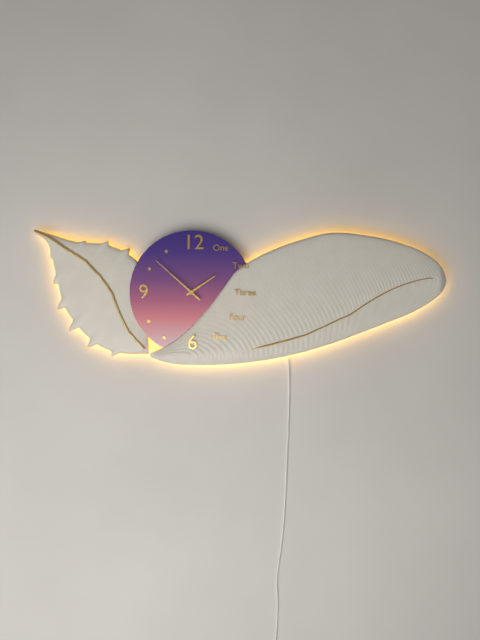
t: 1:52
